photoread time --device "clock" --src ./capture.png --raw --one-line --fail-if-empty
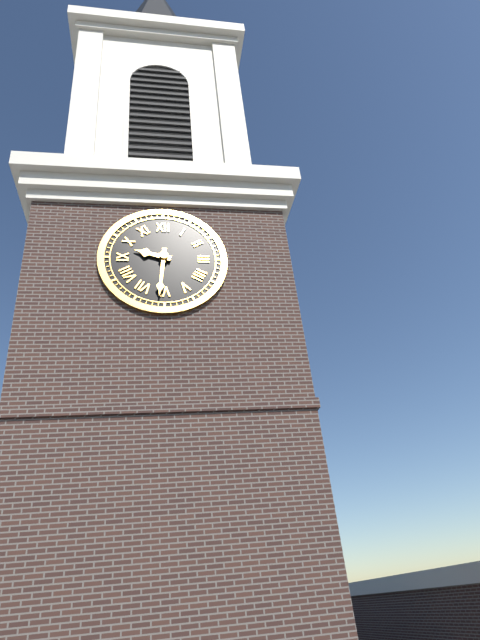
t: 9:31
